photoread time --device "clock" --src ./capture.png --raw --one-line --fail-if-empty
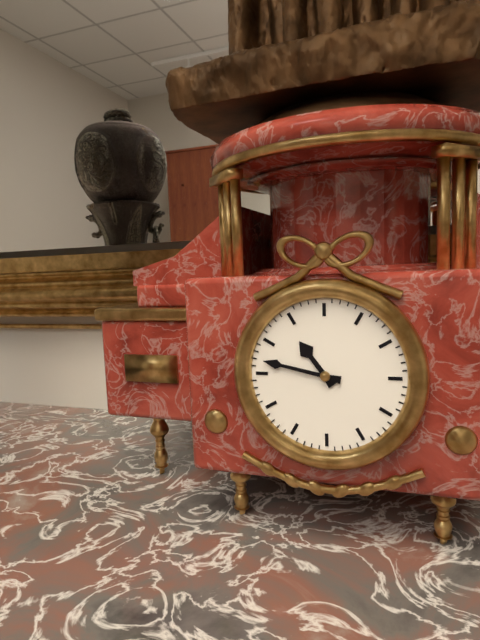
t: 10:47
